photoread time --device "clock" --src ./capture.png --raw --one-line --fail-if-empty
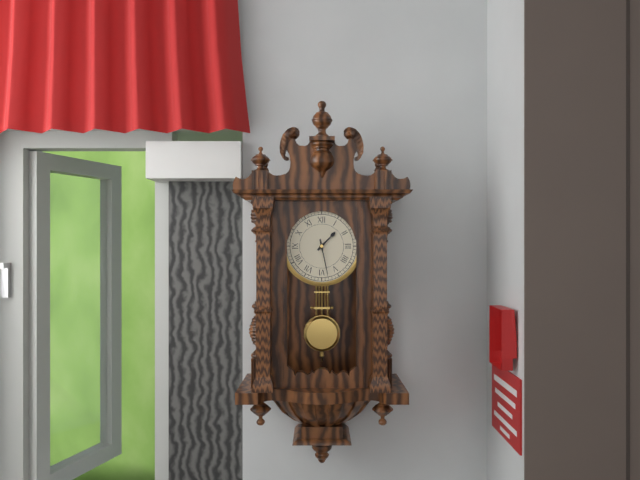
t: 1:28
